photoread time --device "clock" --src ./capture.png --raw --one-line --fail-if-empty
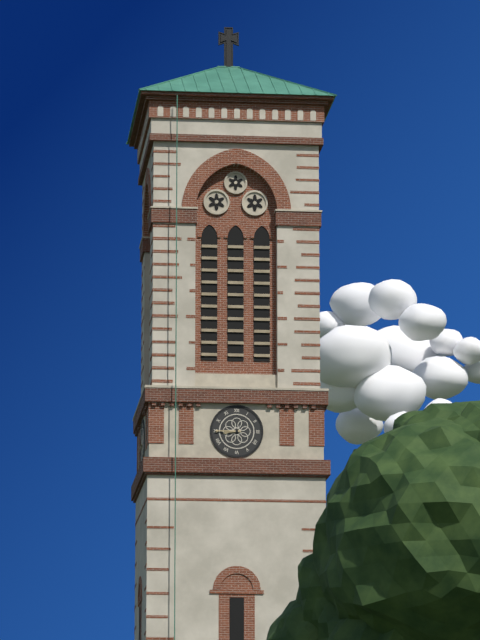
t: 8:45
